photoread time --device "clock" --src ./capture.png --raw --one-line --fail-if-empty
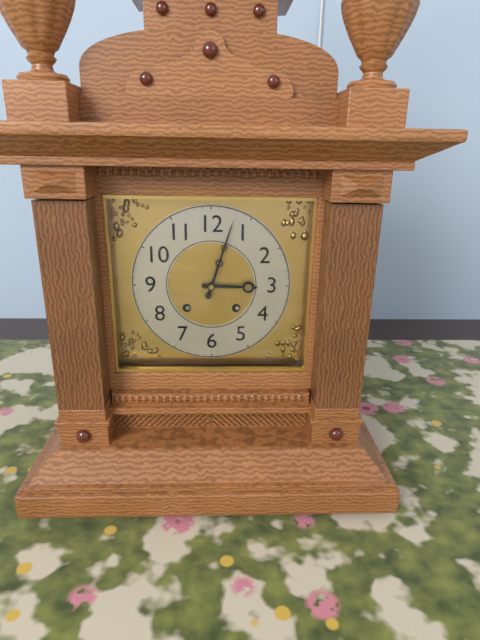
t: 3:03
